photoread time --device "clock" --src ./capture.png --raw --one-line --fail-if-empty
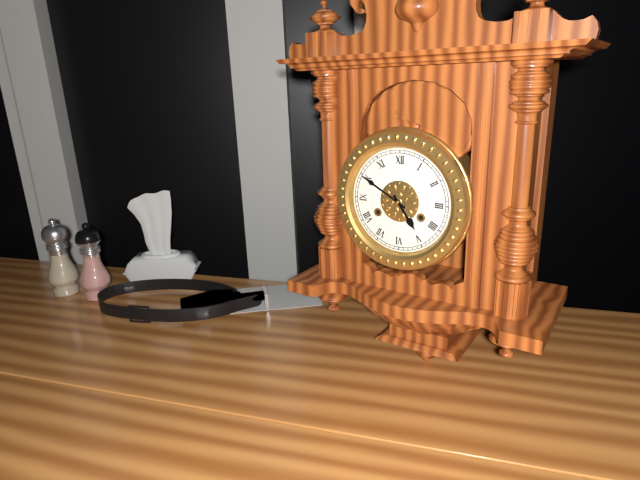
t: 4:50
